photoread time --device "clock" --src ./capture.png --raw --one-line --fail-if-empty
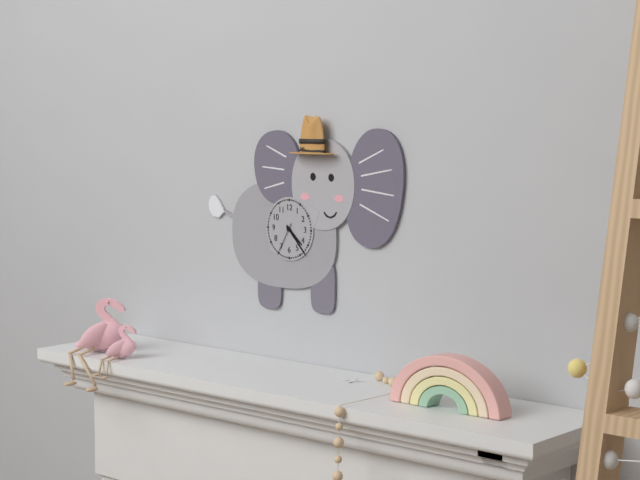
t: 4:23
